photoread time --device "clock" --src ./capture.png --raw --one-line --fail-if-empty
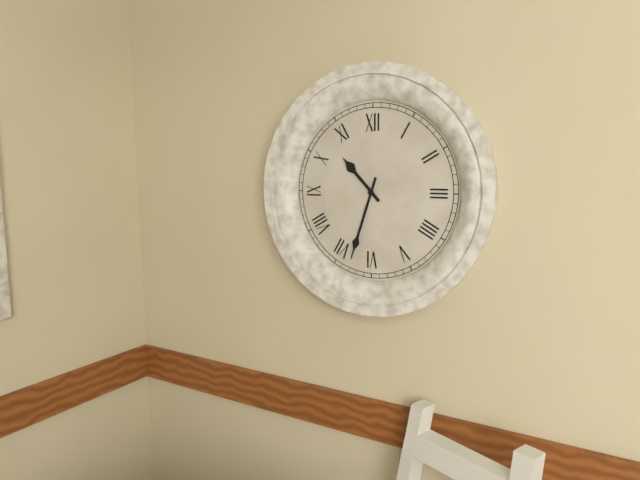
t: 10:33
